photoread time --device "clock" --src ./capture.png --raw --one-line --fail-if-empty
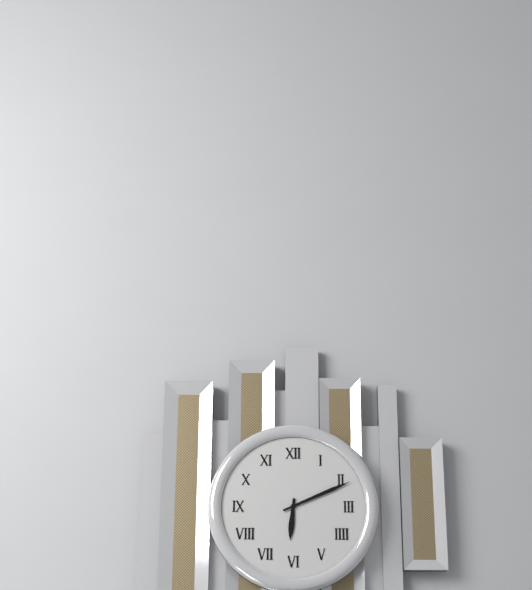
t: 6:11
